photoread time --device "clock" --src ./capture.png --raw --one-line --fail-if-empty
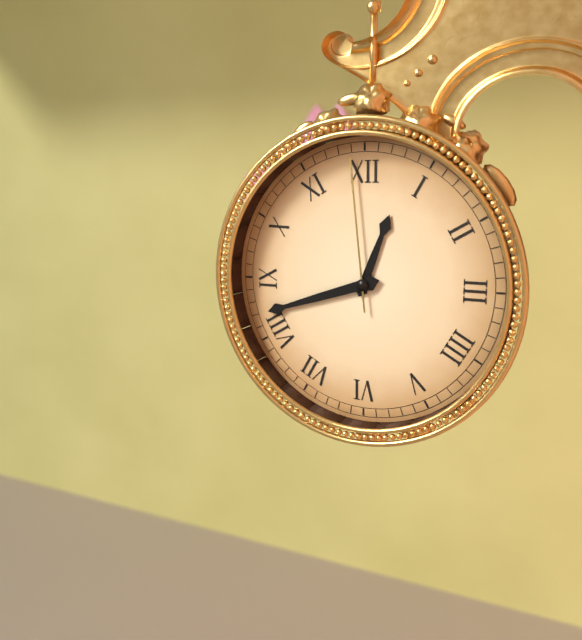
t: 12:42:59
